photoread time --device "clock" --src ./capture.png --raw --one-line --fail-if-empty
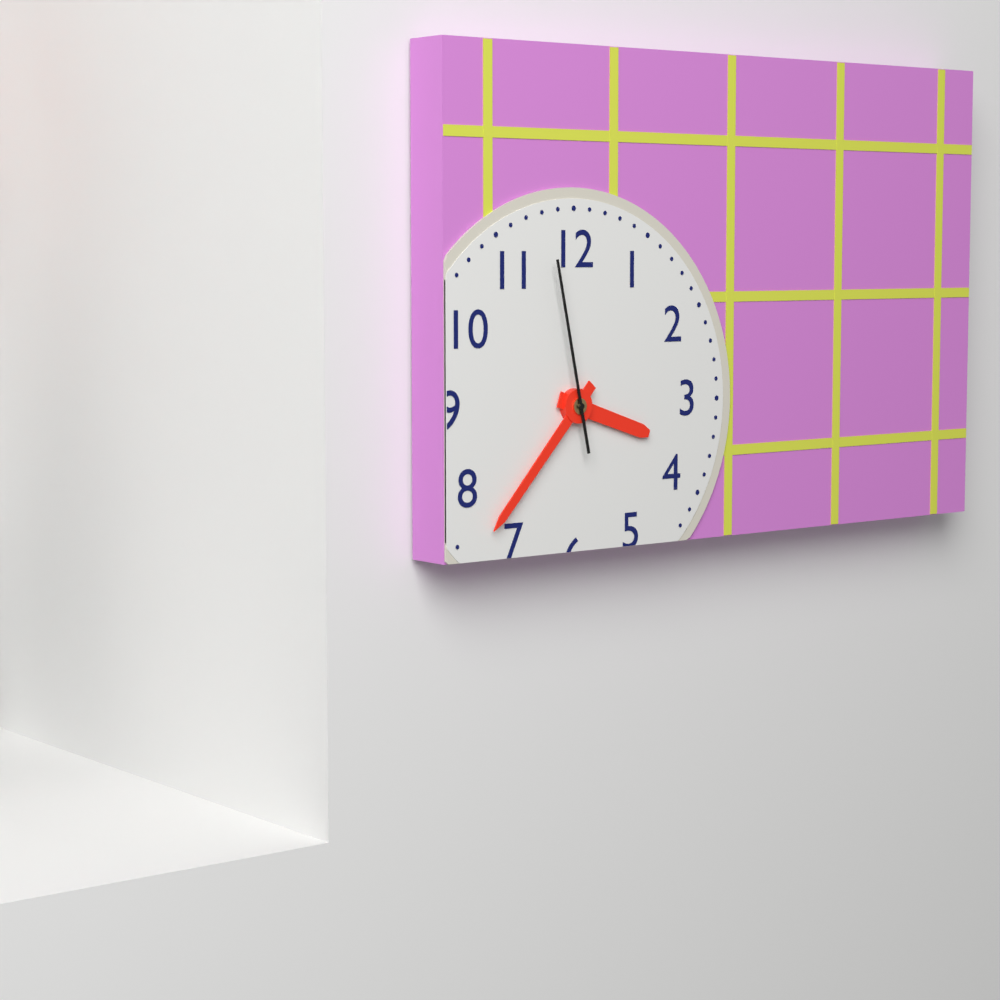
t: 3:37:58
